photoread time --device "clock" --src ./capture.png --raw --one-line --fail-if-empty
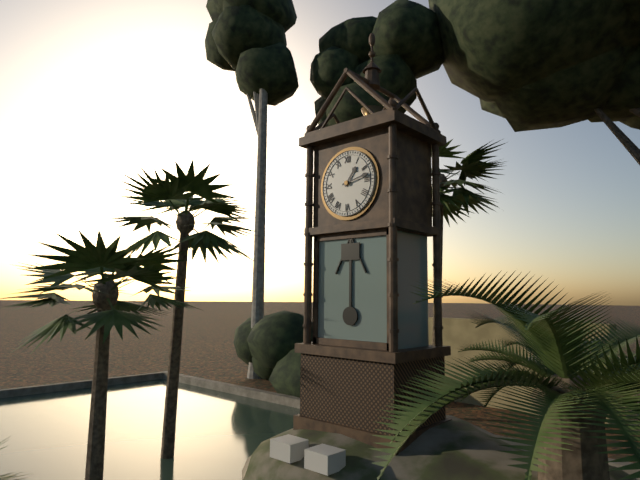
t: 1:13
